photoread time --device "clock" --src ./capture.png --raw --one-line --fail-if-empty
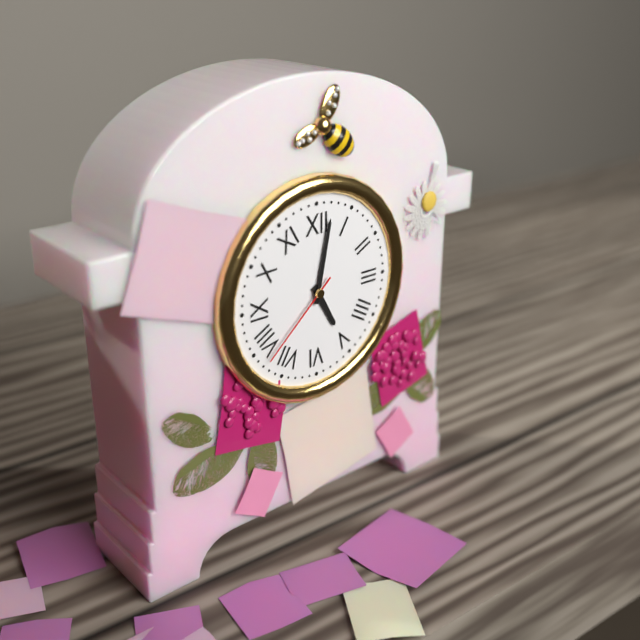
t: 5:02:38
